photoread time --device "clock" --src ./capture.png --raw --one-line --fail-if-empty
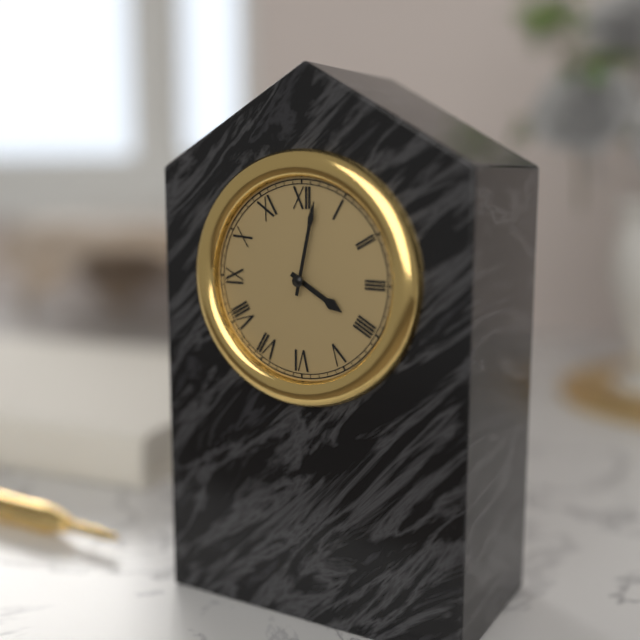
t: 4:02
